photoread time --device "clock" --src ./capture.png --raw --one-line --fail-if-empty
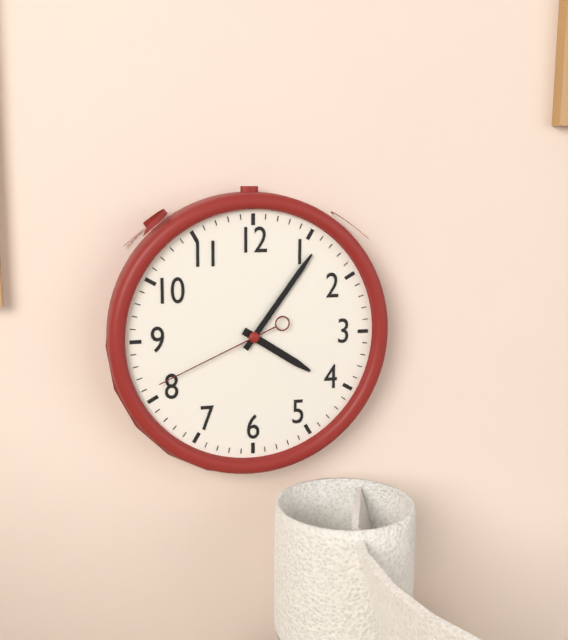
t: 4:06:41
